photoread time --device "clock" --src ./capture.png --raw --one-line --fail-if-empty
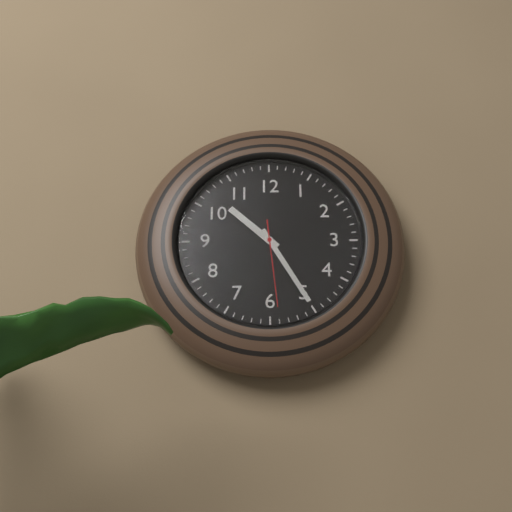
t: 10:25:29
